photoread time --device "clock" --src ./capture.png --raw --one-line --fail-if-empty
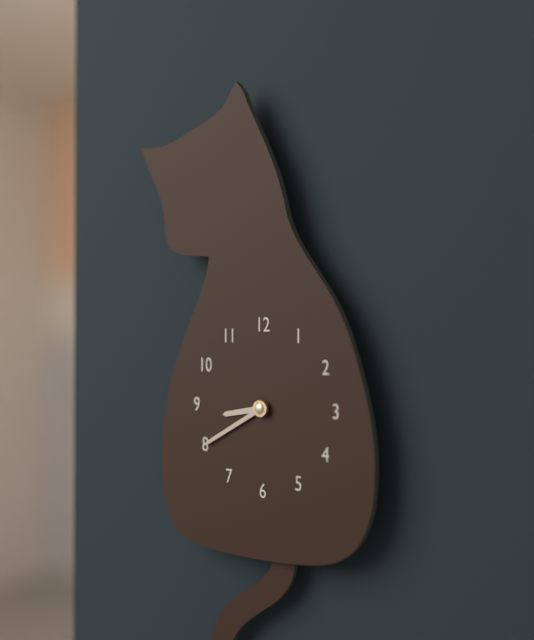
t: 8:40
